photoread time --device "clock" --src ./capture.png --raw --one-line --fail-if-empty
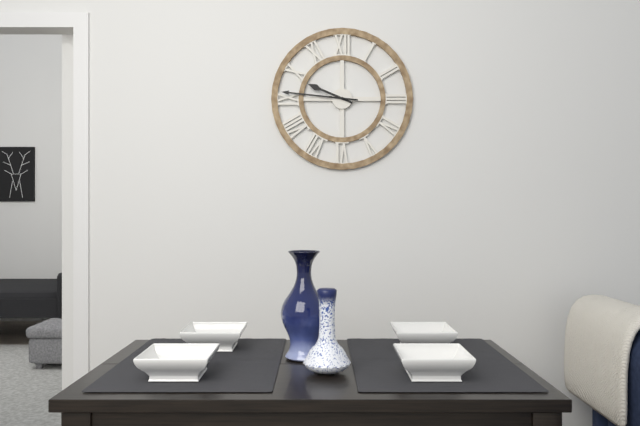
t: 9:46
